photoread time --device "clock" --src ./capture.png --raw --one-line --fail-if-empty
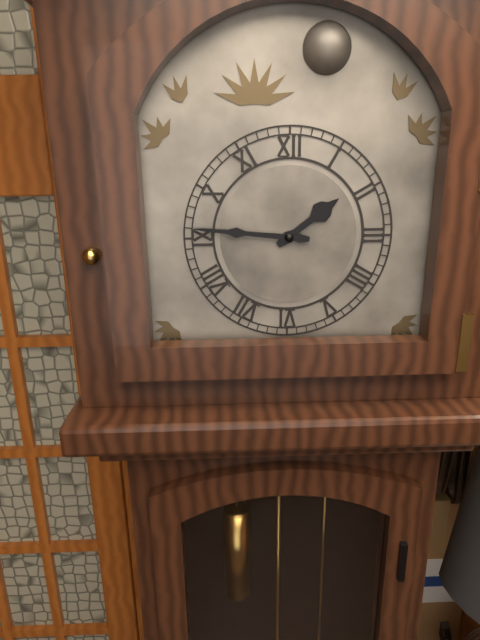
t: 1:46
